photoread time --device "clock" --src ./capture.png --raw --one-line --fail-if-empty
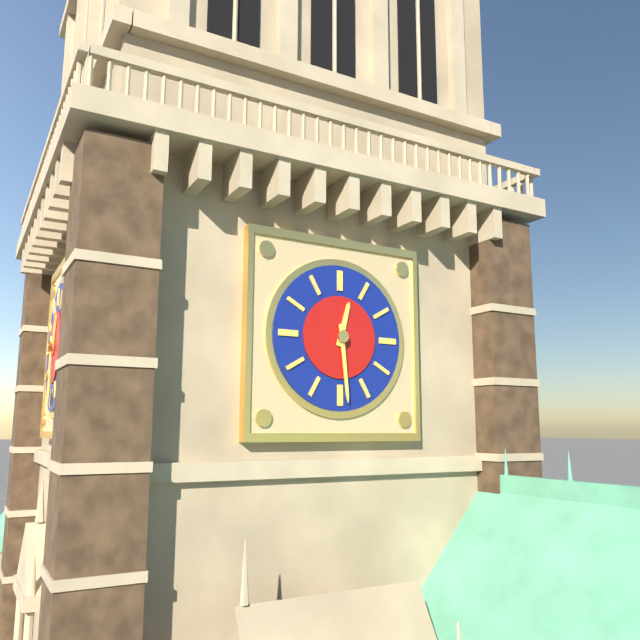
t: 12:29
